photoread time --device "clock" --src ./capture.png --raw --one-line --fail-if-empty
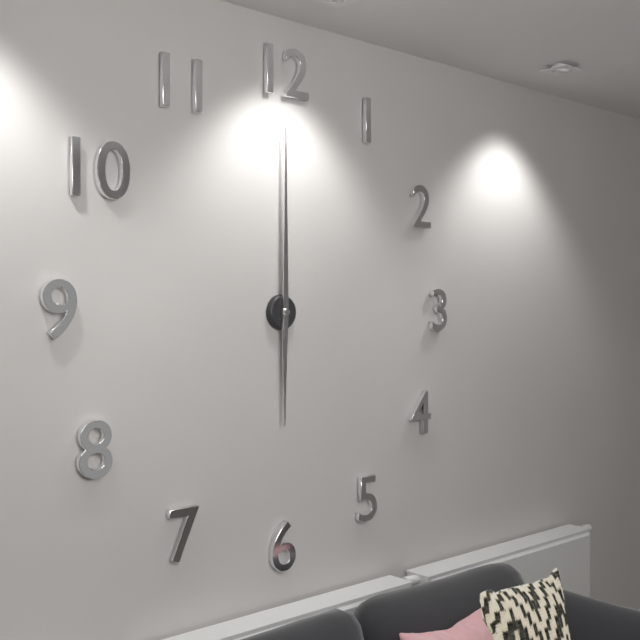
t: 6:00
